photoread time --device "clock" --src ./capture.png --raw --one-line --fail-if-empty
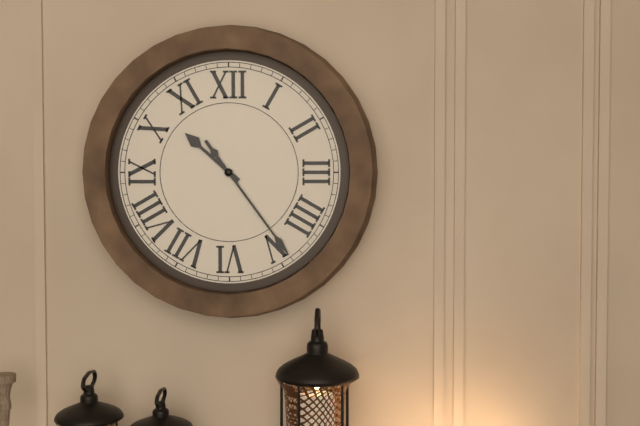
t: 10:24
